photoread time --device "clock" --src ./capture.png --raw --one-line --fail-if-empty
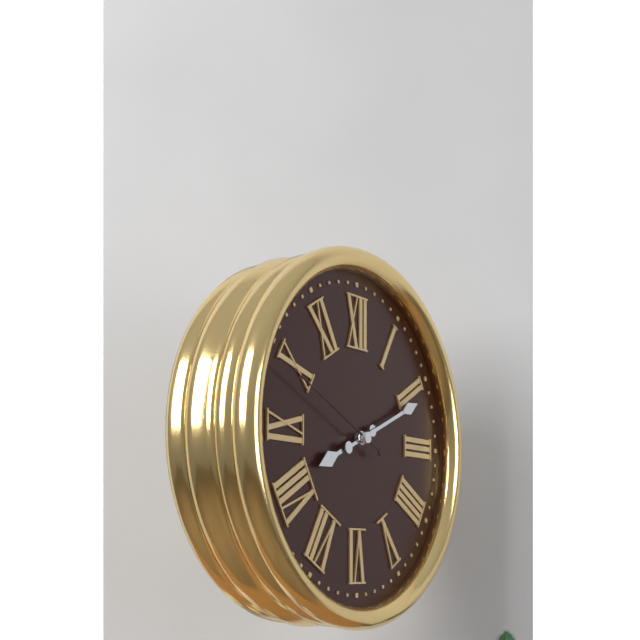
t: 8:11:49
